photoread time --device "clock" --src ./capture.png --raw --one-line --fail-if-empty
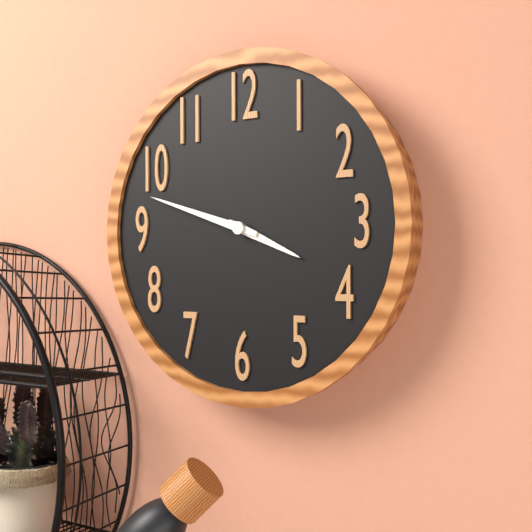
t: 3:48
